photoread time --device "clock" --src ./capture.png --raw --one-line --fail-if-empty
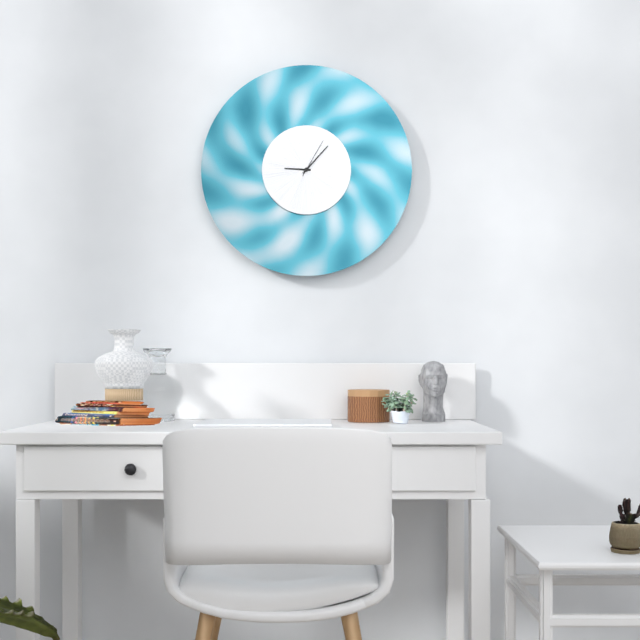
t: 9:07
